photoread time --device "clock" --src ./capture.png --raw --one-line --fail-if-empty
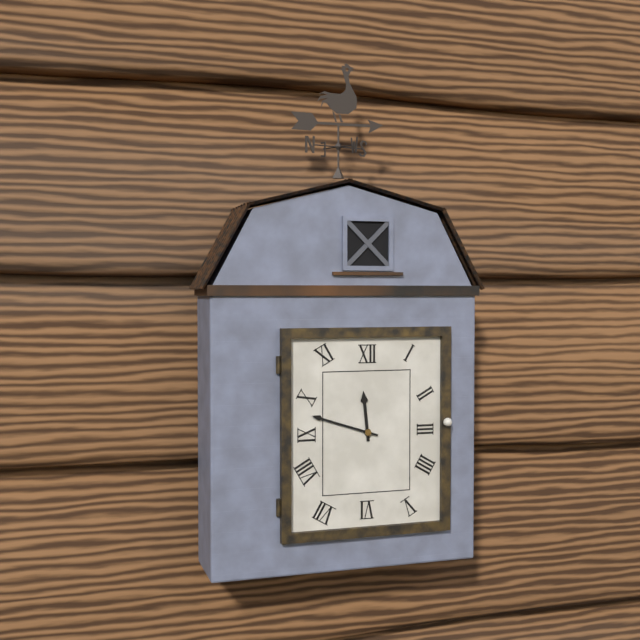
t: 11:48
